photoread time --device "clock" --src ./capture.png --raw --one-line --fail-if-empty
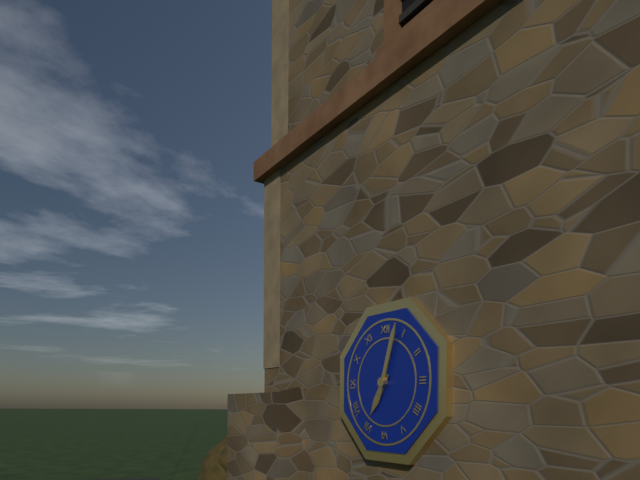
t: 7:03
